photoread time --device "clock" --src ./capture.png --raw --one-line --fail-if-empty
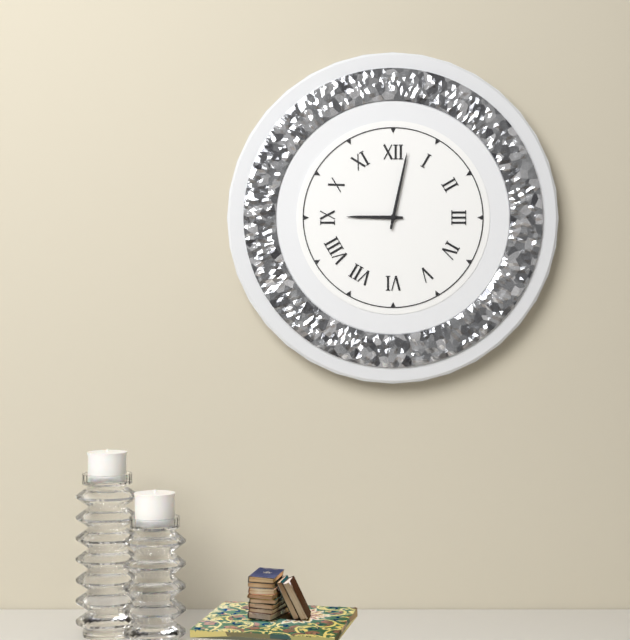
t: 9:02
